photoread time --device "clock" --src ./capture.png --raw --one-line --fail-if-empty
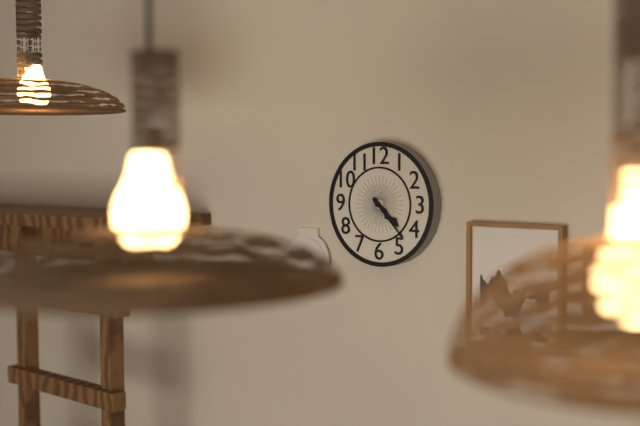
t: 4:23
